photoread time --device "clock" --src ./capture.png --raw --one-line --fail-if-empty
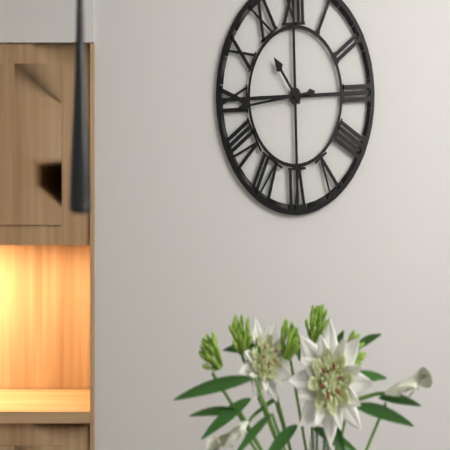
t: 10:44
